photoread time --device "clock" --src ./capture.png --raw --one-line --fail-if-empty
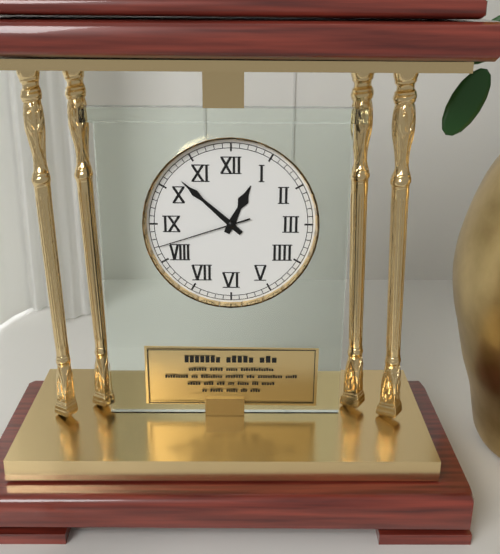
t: 12:52:42
